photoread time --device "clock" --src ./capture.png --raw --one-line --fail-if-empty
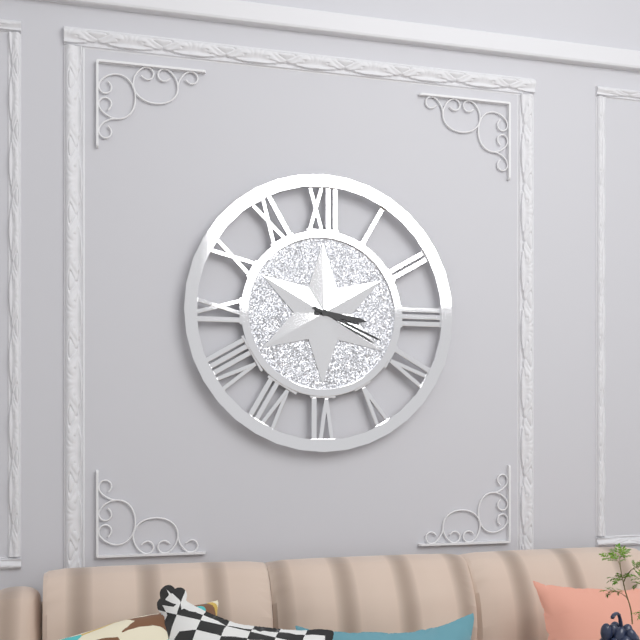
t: 3:19
